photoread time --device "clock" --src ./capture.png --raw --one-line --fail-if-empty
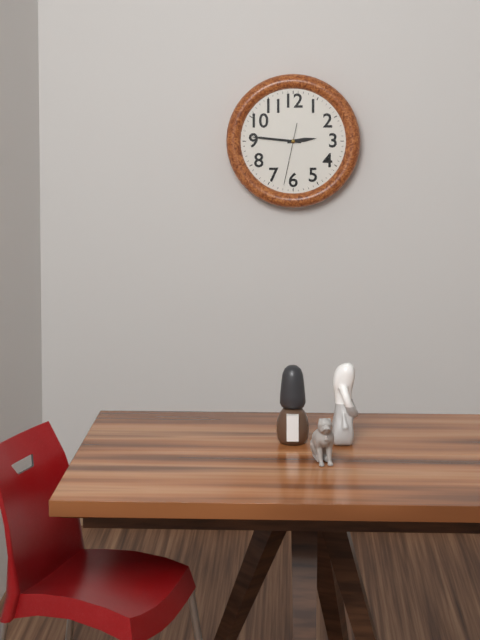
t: 2:46:32
